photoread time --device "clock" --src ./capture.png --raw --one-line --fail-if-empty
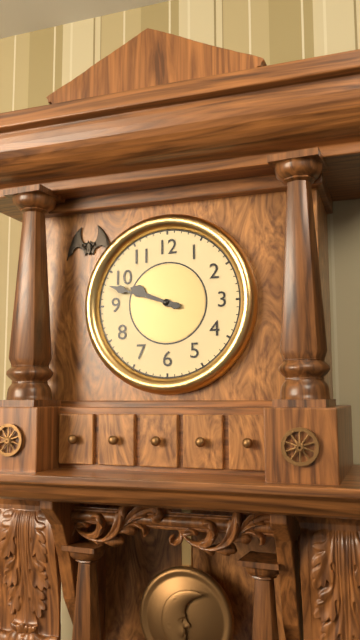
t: 9:48
